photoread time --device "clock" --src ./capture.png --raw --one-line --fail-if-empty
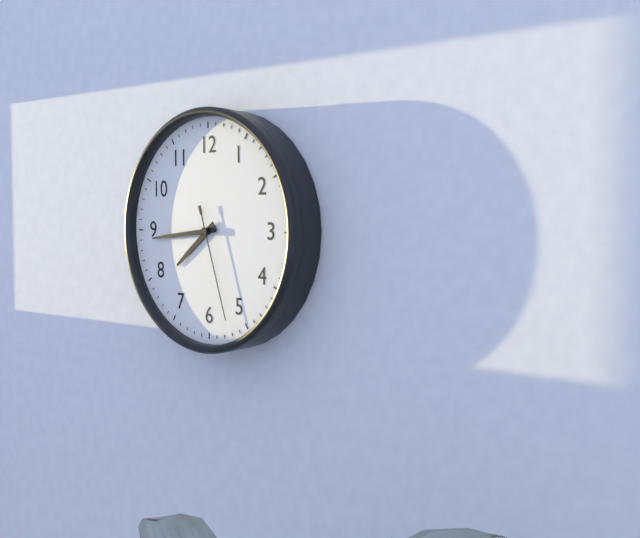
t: 7:44:27
